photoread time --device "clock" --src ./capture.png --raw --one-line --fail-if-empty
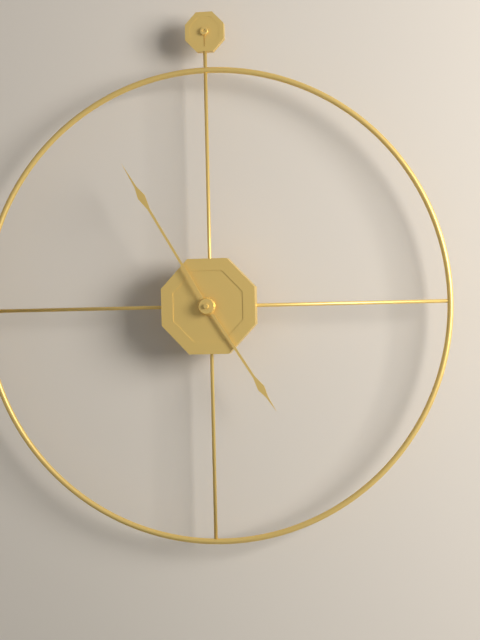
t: 4:55
